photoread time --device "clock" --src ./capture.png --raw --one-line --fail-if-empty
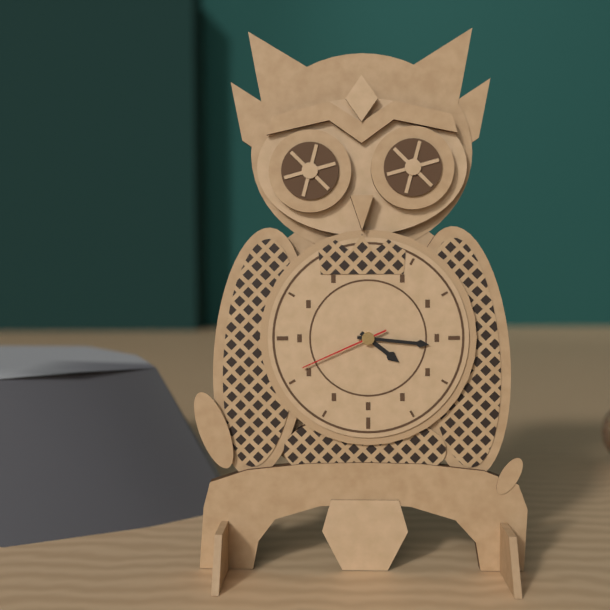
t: 4:16:41
